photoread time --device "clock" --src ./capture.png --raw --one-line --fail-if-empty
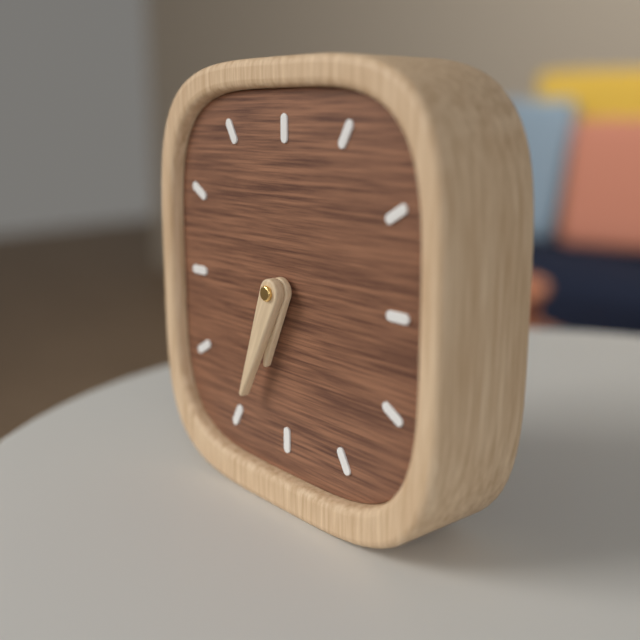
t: 6:34
